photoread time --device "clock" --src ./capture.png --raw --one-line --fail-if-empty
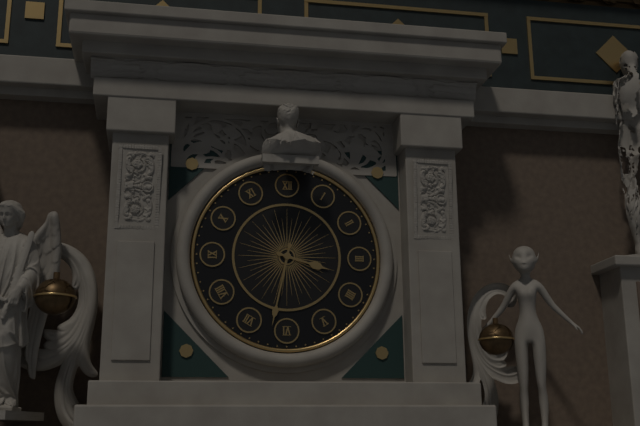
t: 3:32
